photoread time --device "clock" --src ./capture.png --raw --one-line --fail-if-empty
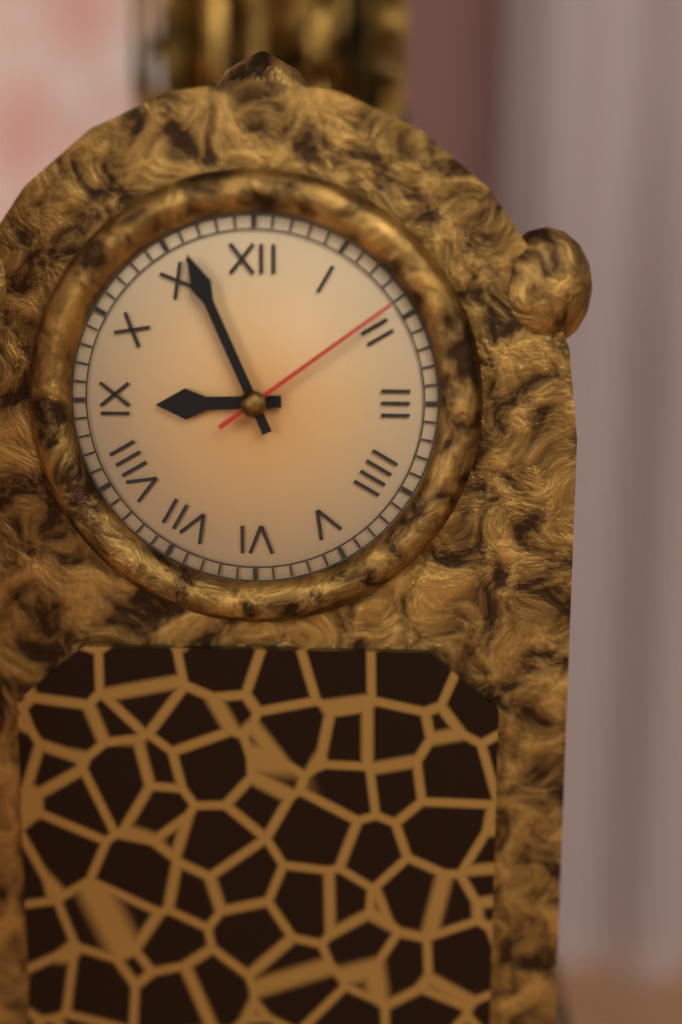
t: 8:56:09
